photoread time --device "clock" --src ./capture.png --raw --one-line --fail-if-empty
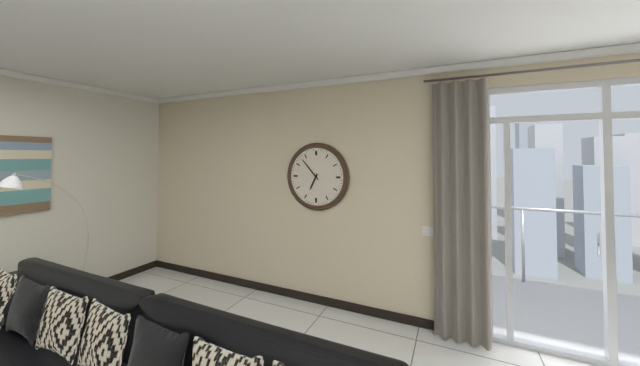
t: 6:53
